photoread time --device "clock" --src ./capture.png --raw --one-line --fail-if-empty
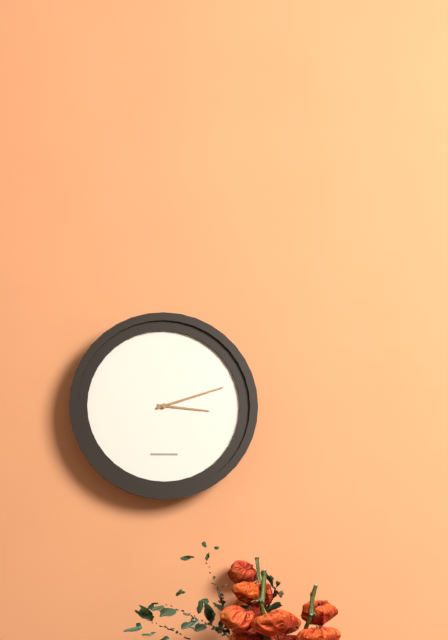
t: 3:12
